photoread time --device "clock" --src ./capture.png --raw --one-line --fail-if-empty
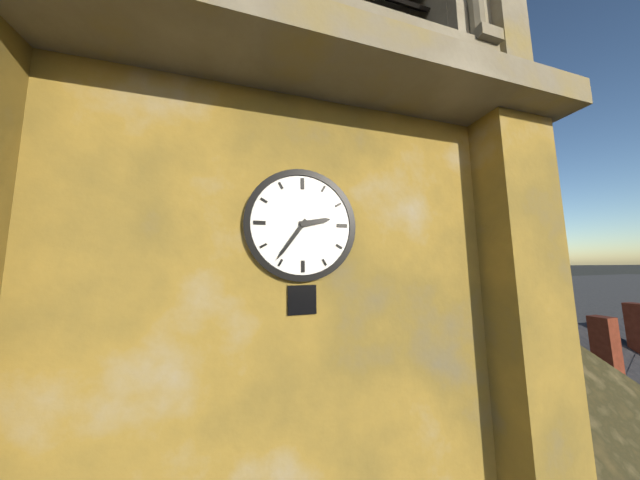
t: 2:36
